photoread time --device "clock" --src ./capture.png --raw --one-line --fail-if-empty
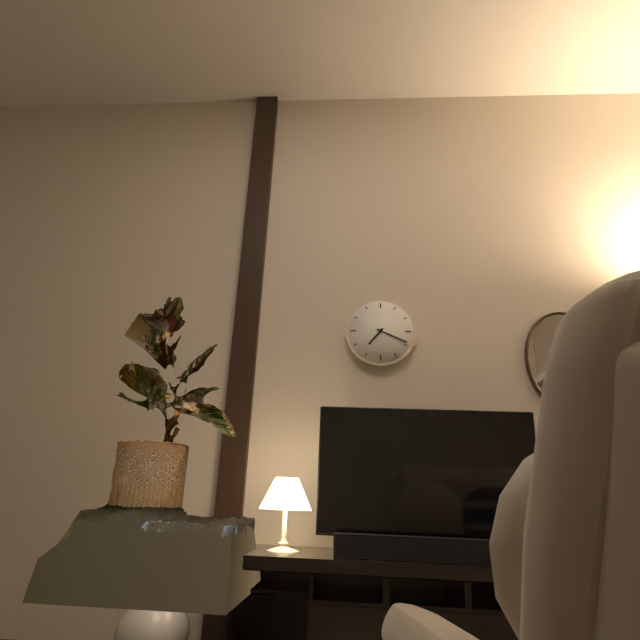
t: 7:19
